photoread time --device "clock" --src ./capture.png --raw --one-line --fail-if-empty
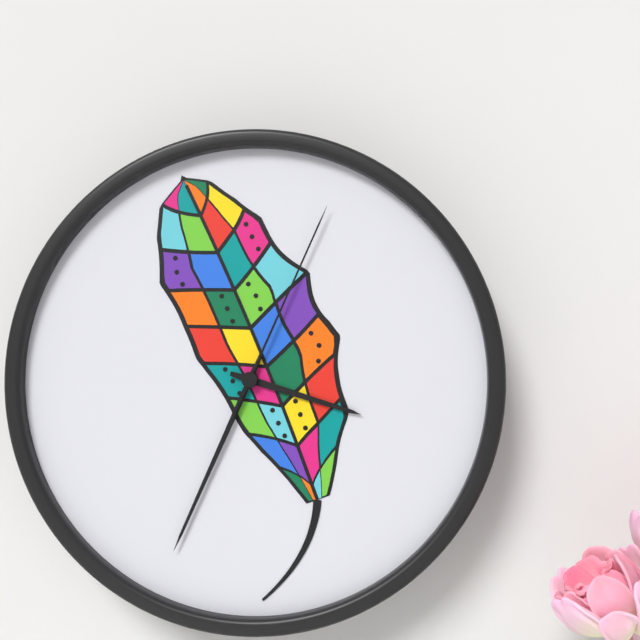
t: 3:34:04
